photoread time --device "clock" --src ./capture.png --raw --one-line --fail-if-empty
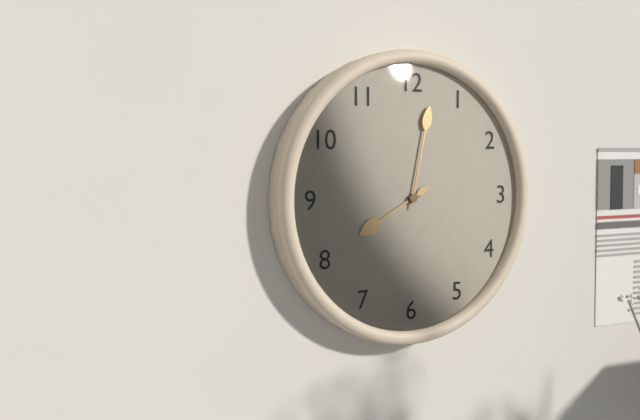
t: 8:02
